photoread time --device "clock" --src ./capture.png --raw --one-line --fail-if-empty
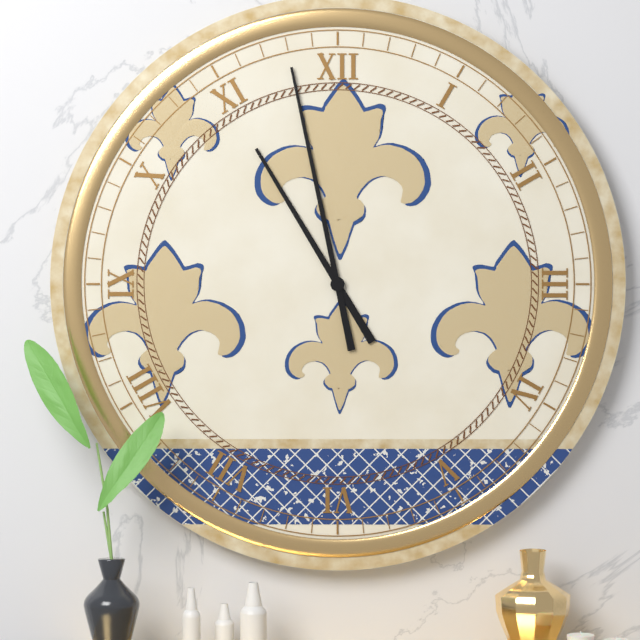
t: 10:58
